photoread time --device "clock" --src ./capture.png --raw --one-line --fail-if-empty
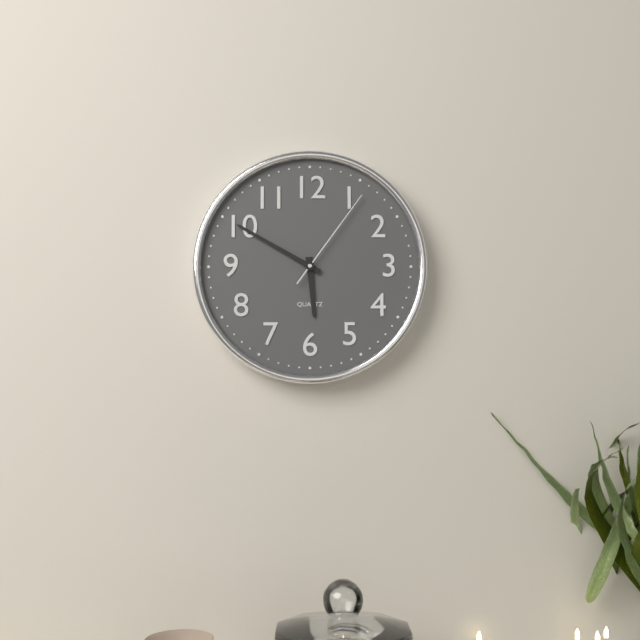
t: 5:50:06
